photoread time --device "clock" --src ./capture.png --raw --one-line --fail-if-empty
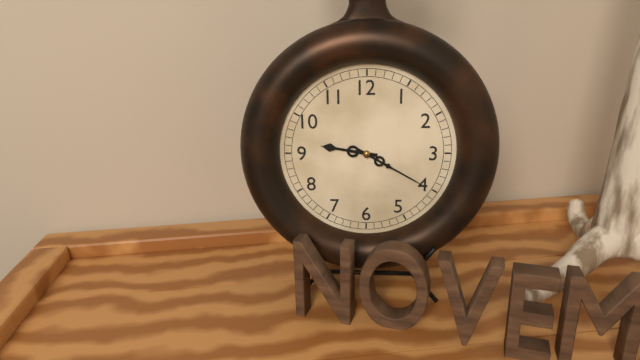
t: 9:20
